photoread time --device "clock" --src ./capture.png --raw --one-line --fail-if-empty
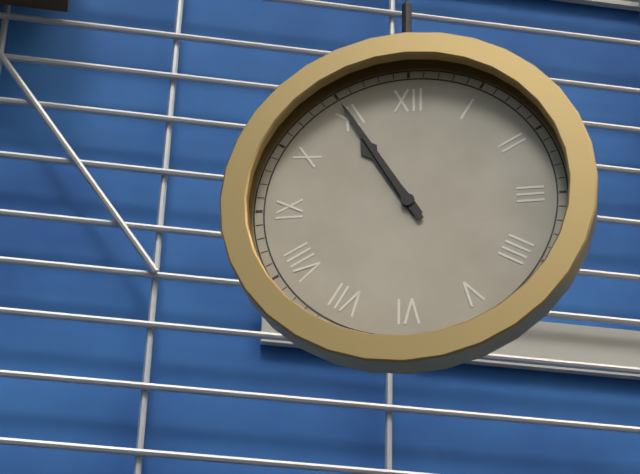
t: 10:55
